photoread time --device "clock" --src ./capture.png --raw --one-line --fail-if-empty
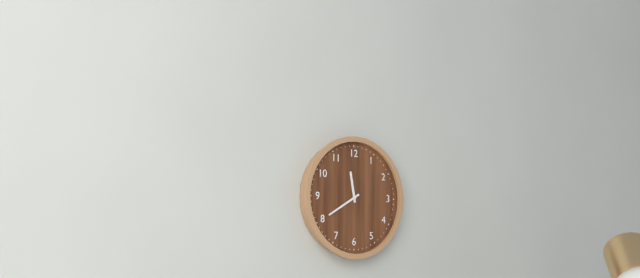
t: 11:40
